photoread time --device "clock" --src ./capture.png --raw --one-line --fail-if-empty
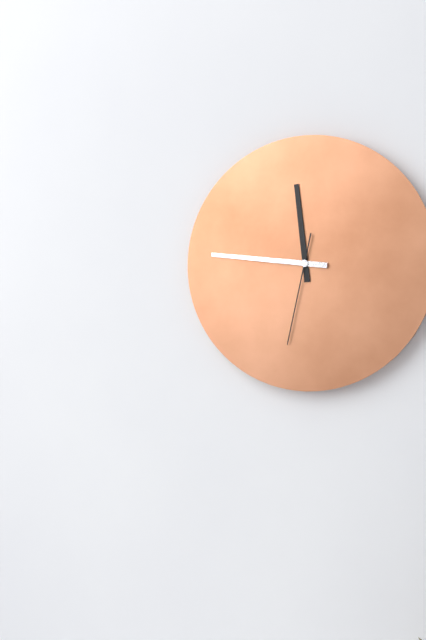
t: 11:46:32
